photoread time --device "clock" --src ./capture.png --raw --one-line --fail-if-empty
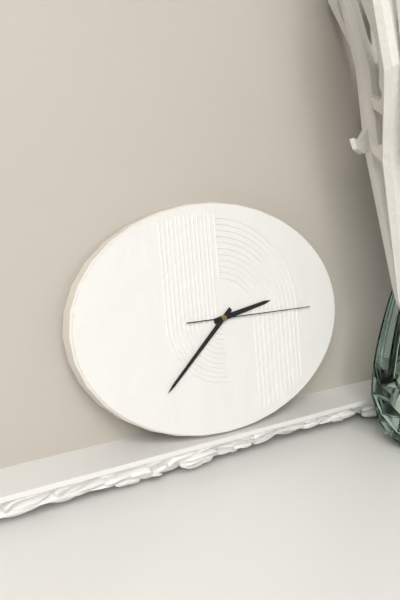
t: 2:38:15
